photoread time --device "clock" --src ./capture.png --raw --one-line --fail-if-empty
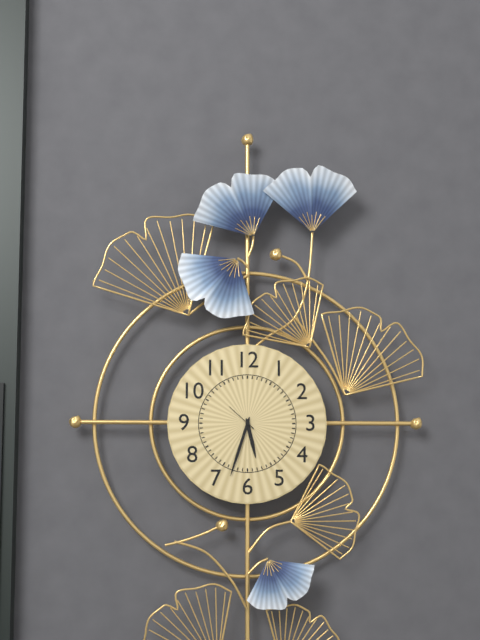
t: 5:33
